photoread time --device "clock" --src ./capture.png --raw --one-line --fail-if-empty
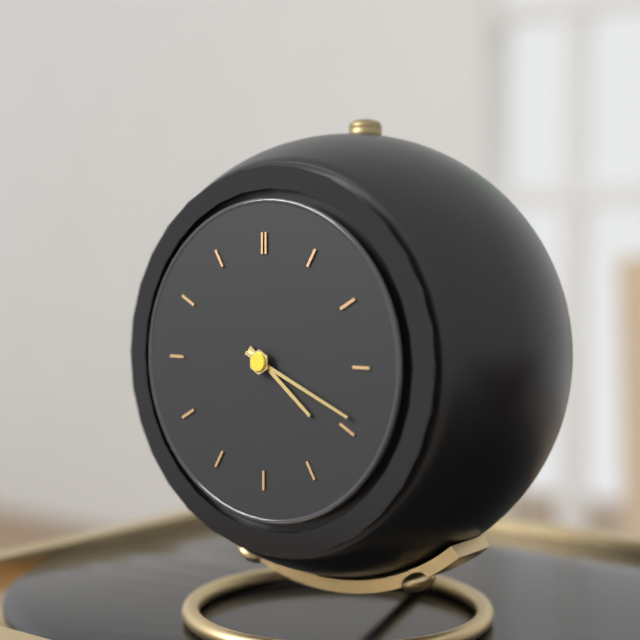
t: 4:19
